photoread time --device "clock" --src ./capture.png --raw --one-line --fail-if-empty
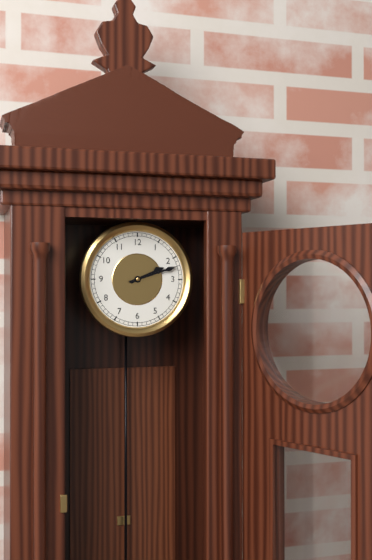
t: 2:12
